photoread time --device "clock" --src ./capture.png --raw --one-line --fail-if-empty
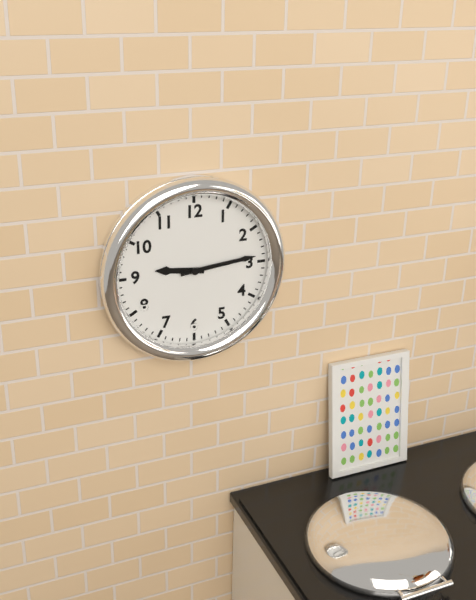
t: 9:14
